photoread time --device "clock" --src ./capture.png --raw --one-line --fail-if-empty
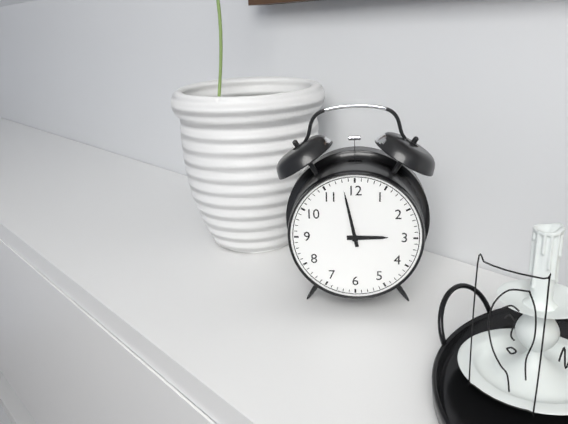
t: 2:58
